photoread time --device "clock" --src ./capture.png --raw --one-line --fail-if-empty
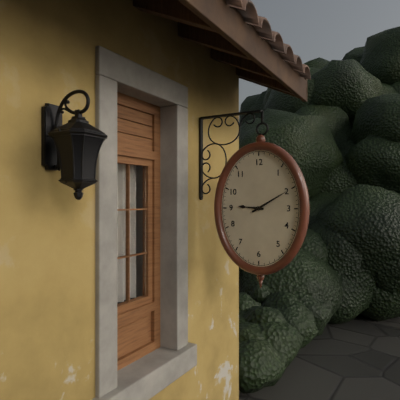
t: 9:10
